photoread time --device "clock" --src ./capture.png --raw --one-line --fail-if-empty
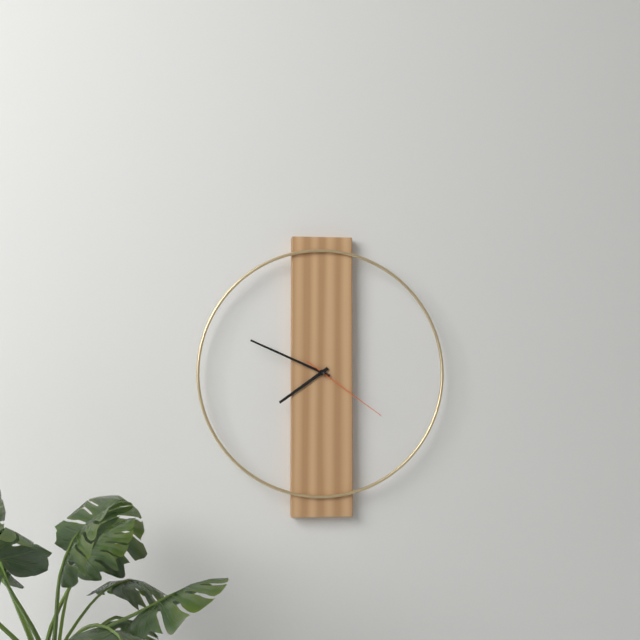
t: 7:49:21
